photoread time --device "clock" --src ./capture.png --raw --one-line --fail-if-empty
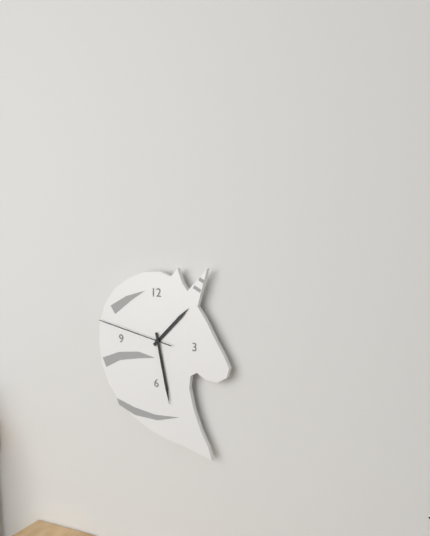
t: 1:28:47
